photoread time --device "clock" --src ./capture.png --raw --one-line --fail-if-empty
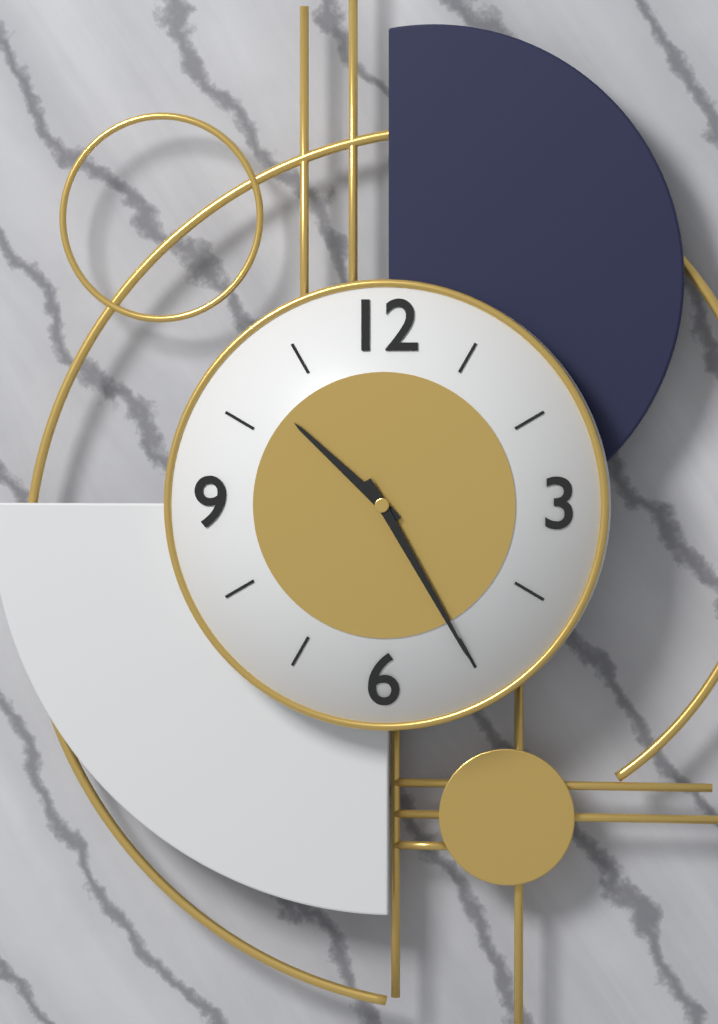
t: 10:25
